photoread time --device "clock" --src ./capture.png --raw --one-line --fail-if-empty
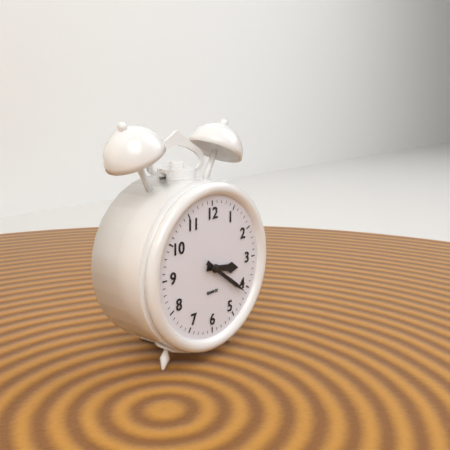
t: 3:21
